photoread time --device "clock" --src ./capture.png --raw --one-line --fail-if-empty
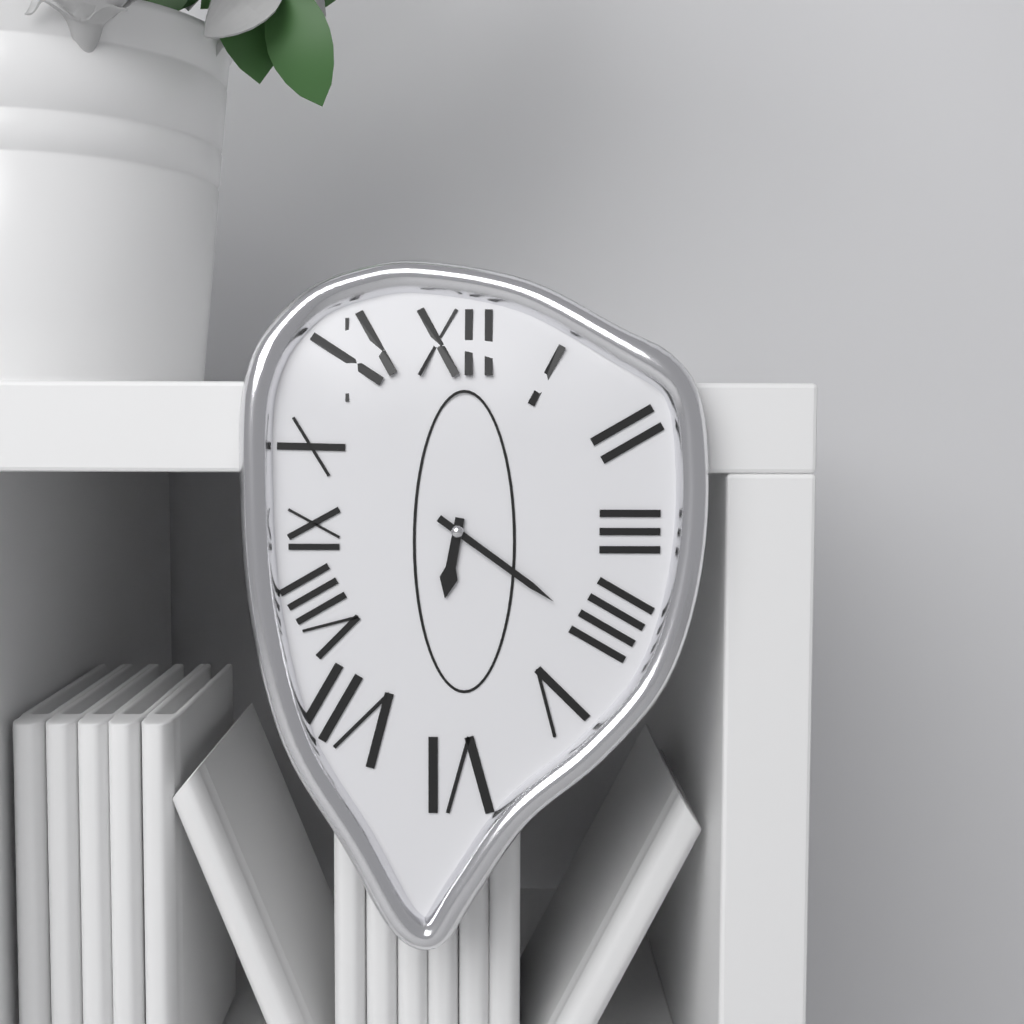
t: 6:21
